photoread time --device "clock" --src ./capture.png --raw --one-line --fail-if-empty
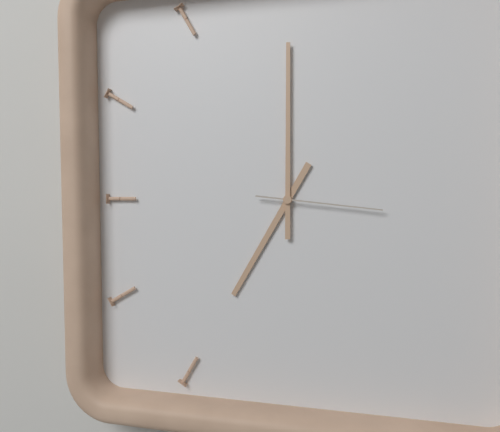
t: 7:00:16
